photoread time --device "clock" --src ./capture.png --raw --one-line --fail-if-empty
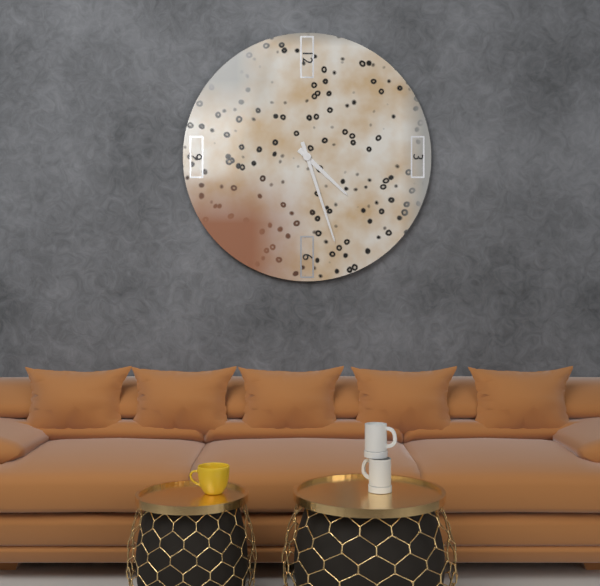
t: 4:27
